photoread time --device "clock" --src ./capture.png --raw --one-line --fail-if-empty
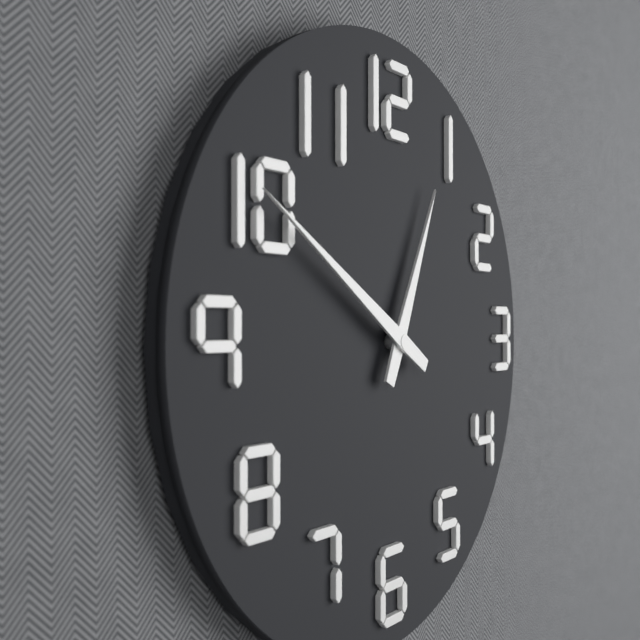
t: 12:50
